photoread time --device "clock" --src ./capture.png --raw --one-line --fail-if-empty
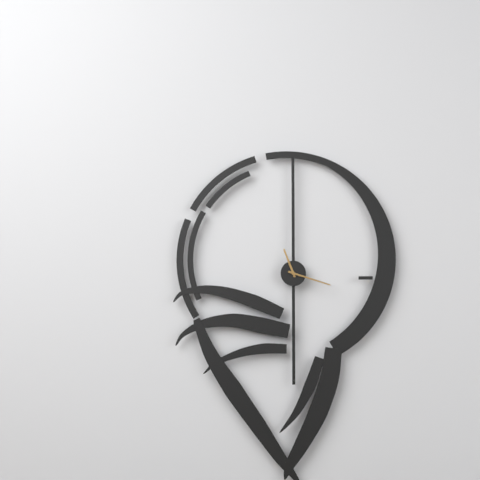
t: 11:18
